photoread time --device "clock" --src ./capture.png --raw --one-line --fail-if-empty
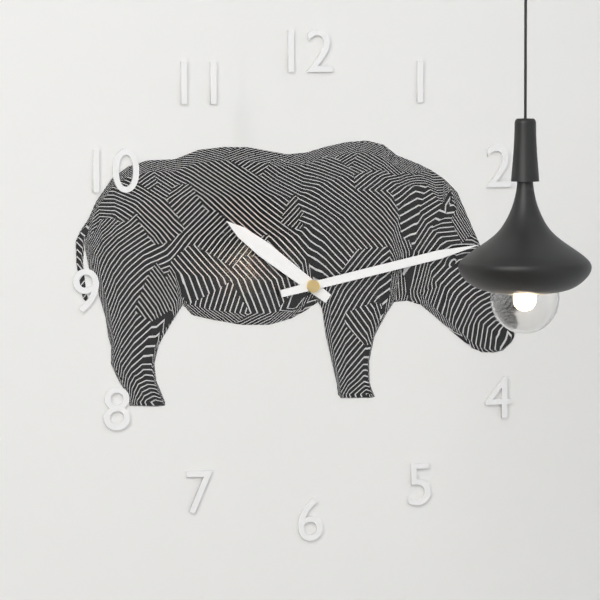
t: 10:13
